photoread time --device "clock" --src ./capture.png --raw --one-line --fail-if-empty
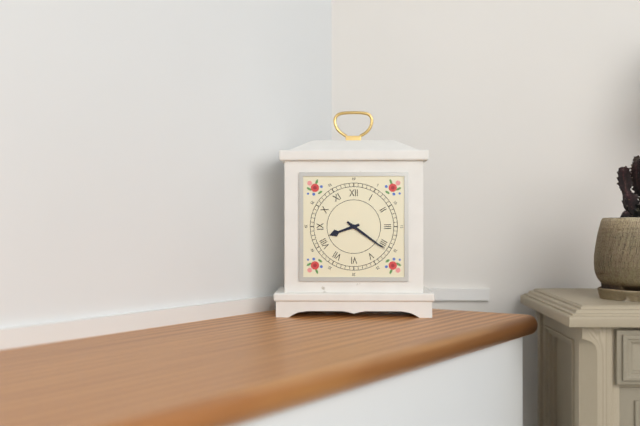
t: 8:21
